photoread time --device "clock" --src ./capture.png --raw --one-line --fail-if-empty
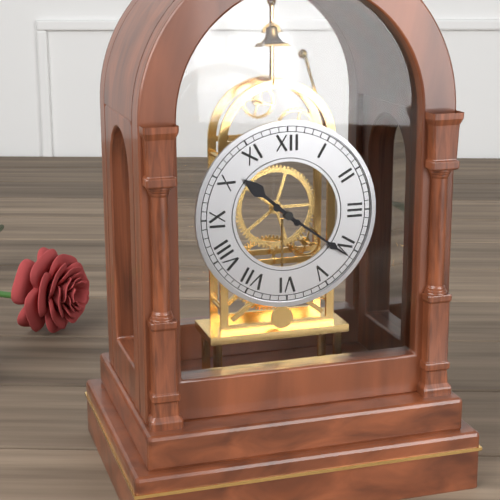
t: 10:21
